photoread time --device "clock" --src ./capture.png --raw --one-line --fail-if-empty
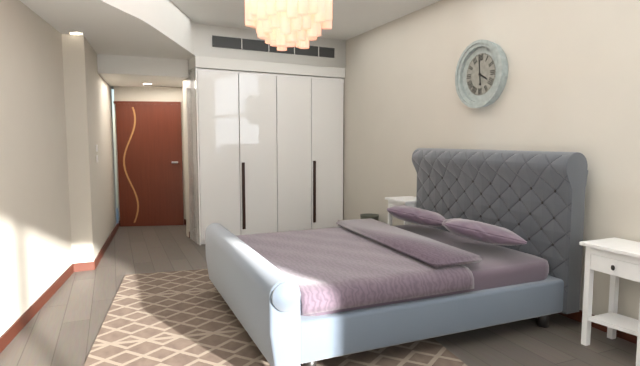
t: 3:59
